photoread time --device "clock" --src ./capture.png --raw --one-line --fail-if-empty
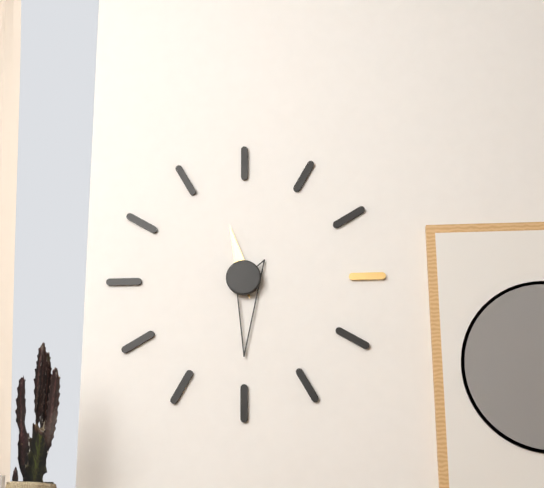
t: 11:30
